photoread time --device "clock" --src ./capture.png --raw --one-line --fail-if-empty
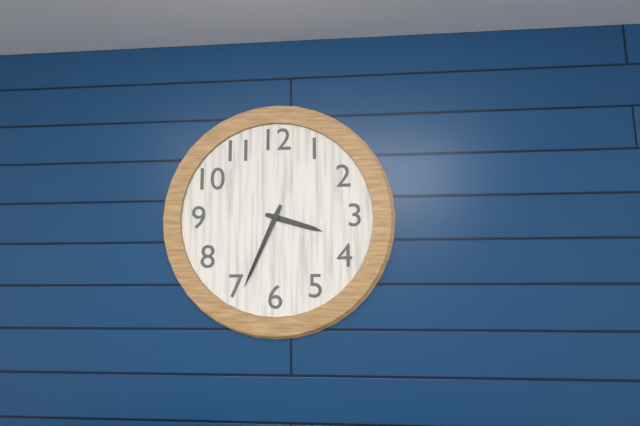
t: 3:34
